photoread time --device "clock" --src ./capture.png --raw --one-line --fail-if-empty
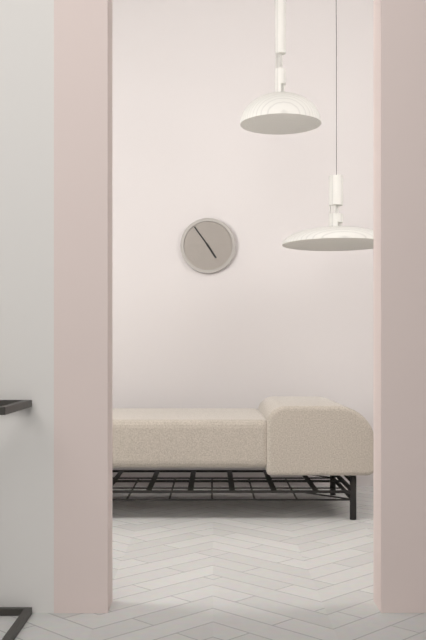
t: 4:54
